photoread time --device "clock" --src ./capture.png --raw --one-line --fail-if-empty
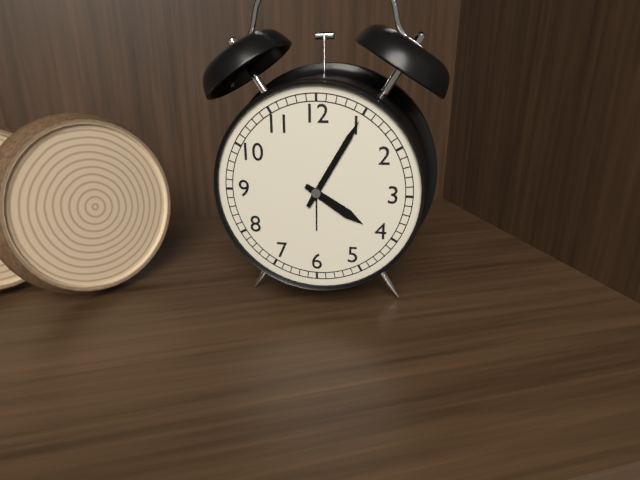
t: 4:05
